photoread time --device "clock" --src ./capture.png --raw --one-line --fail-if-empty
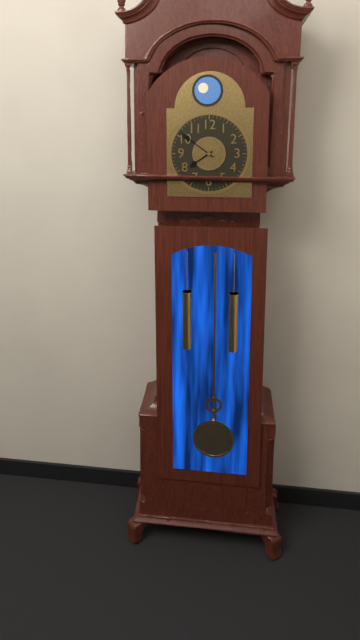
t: 7:51
